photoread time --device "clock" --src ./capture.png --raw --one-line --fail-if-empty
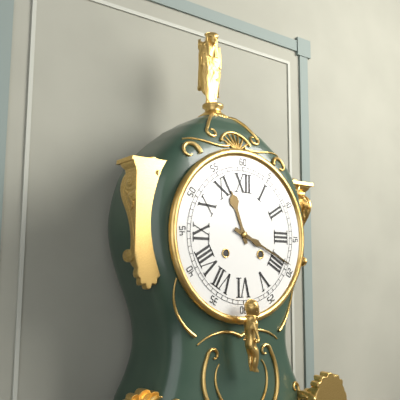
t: 11:19
